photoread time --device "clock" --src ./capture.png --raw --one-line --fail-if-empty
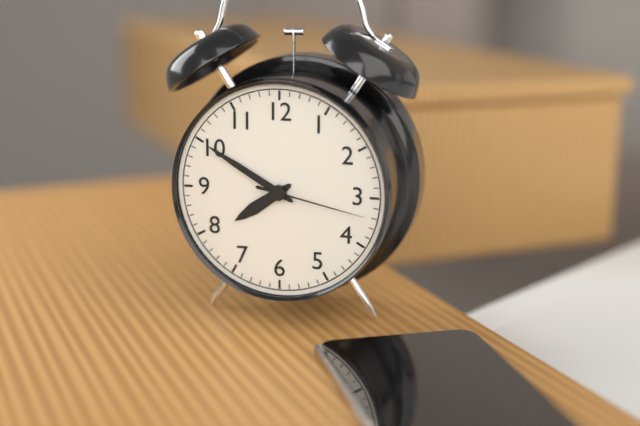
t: 7:50:17
